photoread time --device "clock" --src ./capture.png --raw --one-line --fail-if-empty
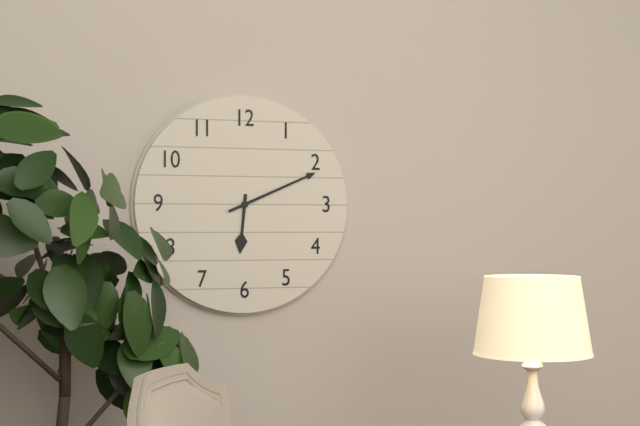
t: 6:11
